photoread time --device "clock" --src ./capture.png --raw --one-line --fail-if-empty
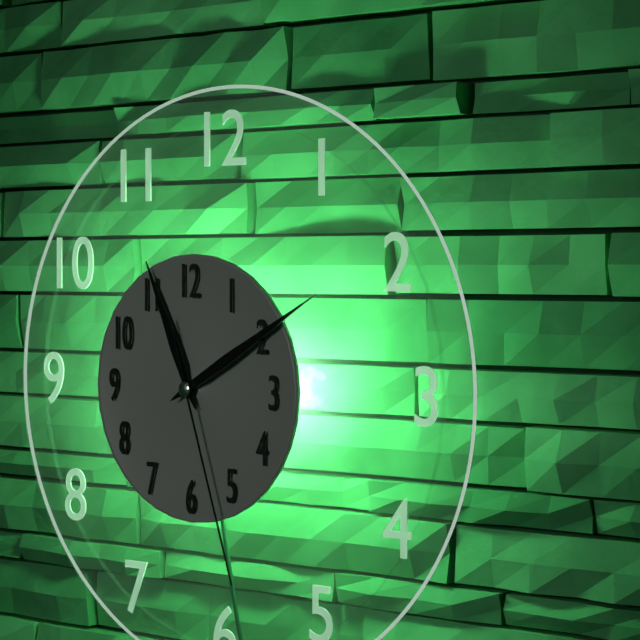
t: 11:10:27
